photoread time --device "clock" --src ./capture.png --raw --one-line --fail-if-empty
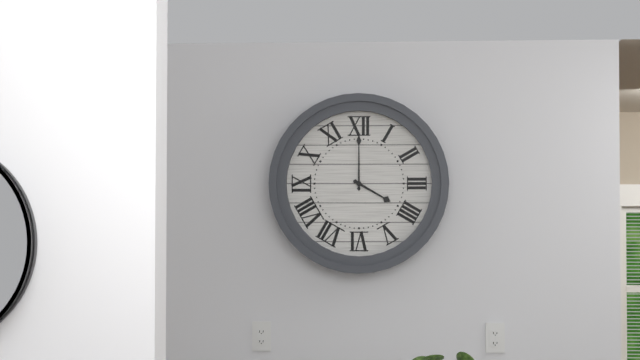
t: 4:00
